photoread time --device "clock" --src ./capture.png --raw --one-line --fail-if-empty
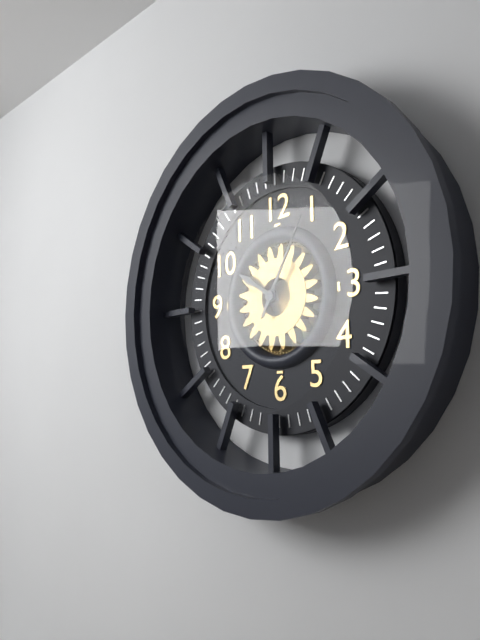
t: 10:05
